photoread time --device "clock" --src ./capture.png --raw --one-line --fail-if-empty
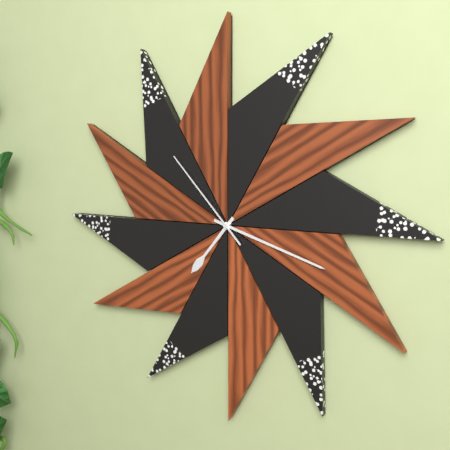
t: 7:18:53
